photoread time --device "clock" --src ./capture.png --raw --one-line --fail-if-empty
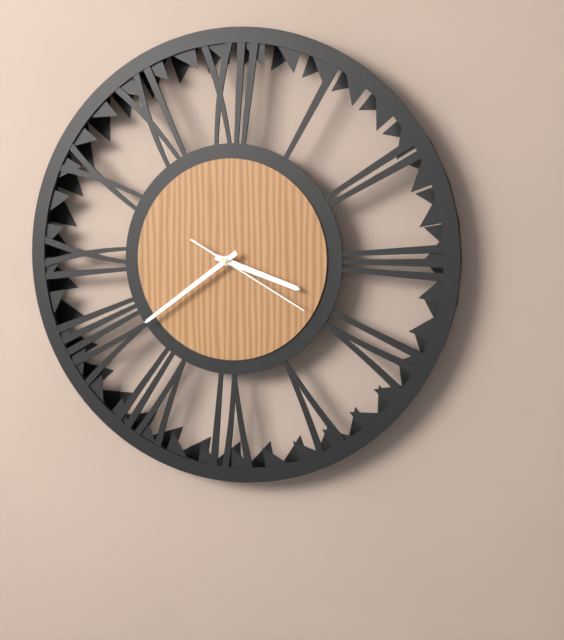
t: 3:39:20
